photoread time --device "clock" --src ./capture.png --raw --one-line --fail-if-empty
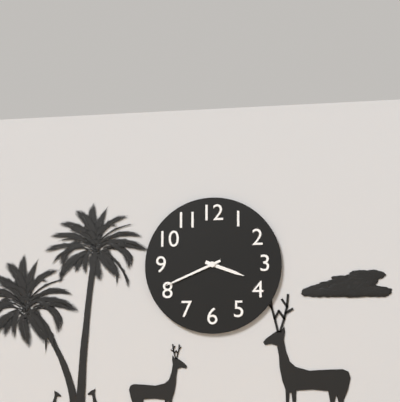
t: 3:41
